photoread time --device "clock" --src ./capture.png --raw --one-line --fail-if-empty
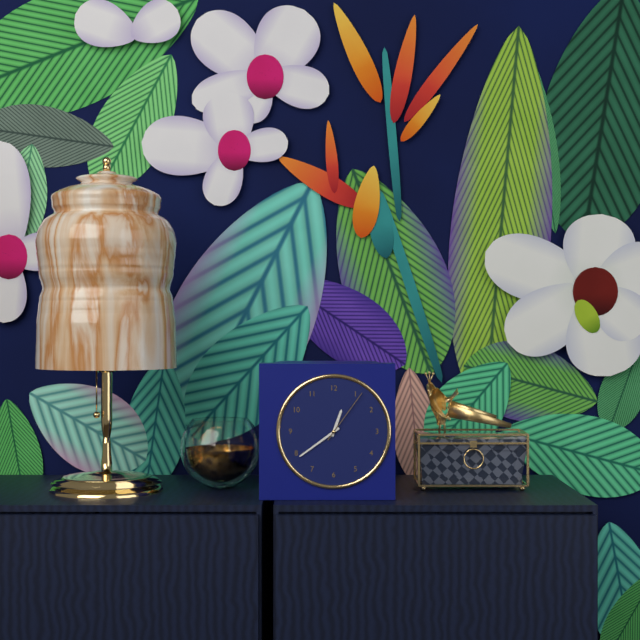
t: 12:39:06
